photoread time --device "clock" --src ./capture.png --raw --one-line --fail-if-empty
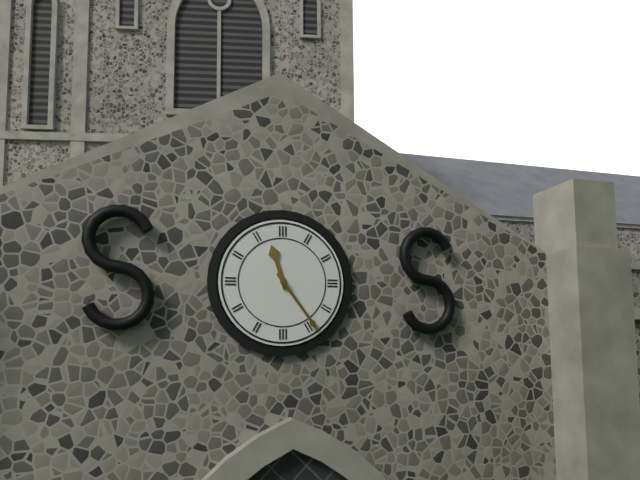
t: 11:24
